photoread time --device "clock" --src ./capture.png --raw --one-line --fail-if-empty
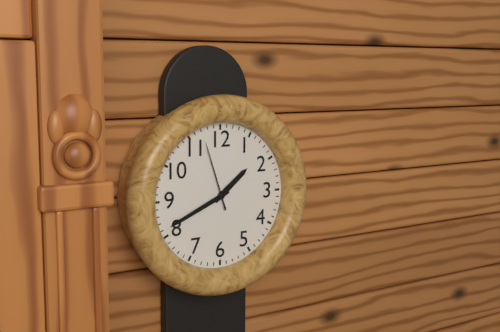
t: 1:41:57
